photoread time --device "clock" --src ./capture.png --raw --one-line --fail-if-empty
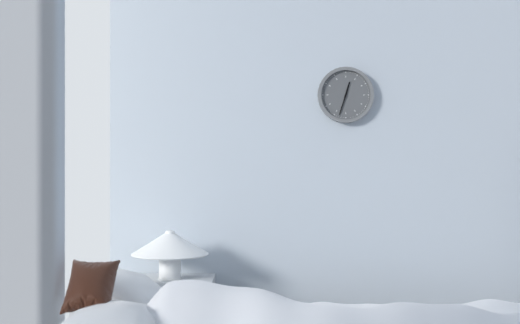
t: 12:33
